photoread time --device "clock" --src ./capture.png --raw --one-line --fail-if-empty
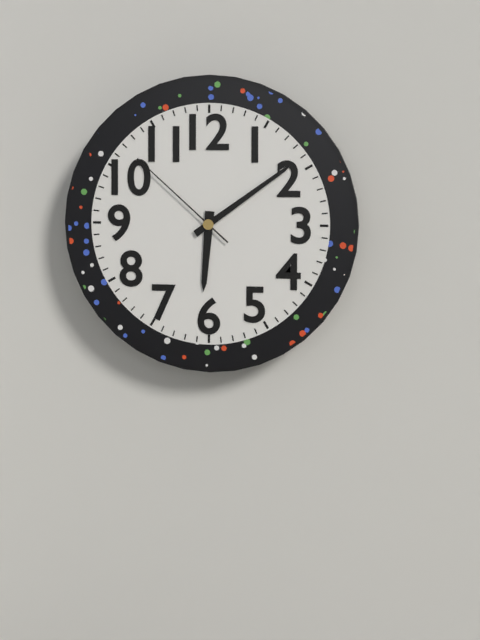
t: 6:09:52
